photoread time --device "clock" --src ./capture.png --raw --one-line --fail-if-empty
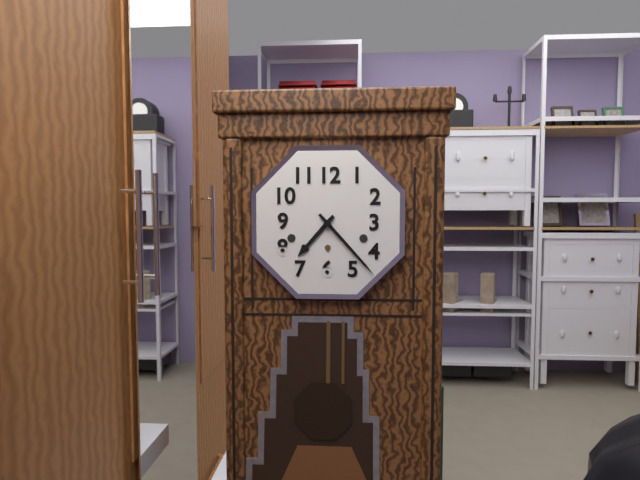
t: 7:23
